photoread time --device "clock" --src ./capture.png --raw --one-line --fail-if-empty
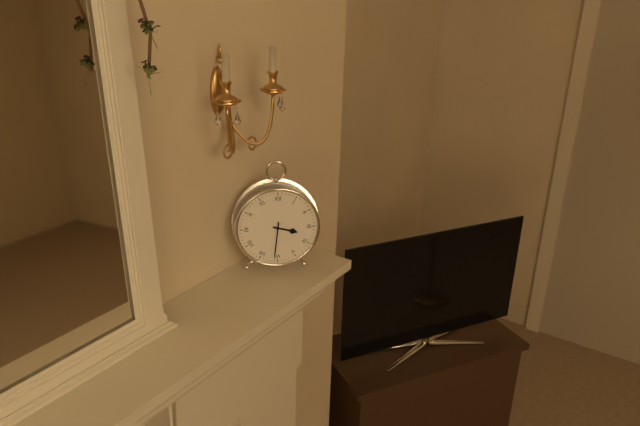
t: 3:31
